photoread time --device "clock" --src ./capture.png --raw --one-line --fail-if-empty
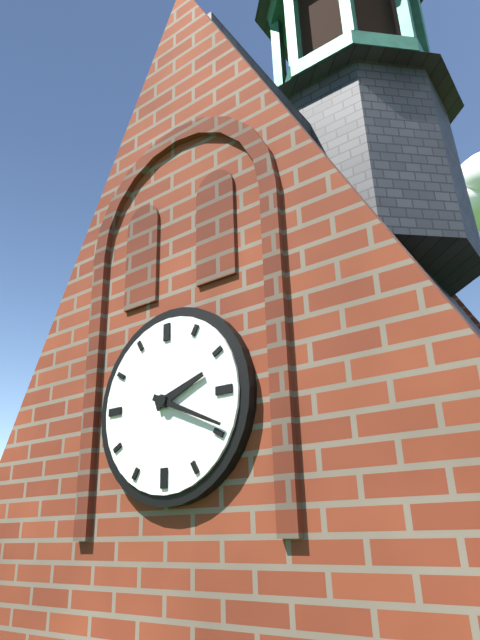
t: 2:19
